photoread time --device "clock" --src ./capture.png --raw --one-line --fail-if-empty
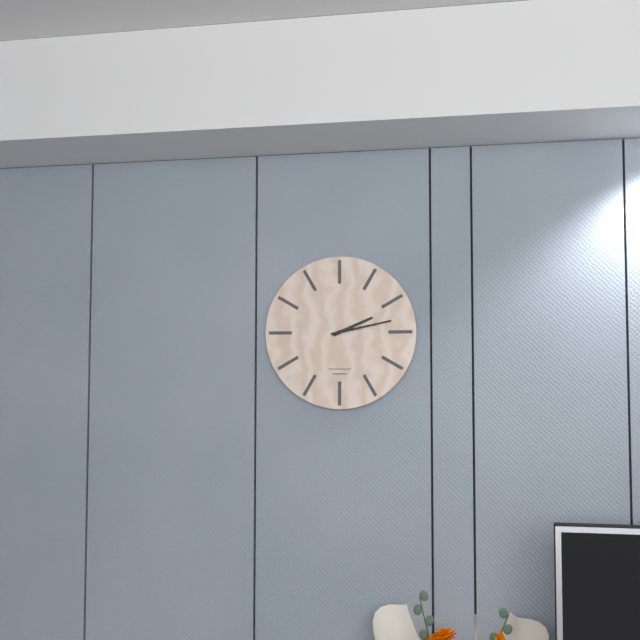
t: 2:13
